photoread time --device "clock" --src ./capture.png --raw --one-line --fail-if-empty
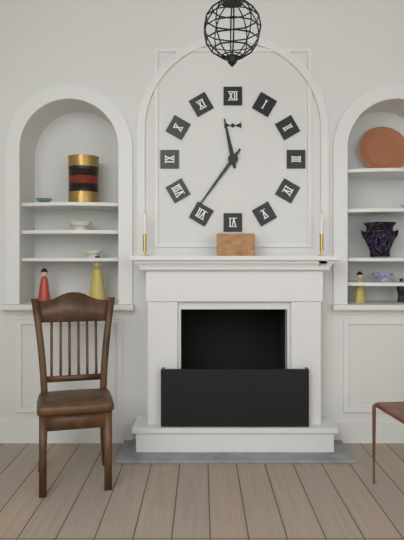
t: 11:36
